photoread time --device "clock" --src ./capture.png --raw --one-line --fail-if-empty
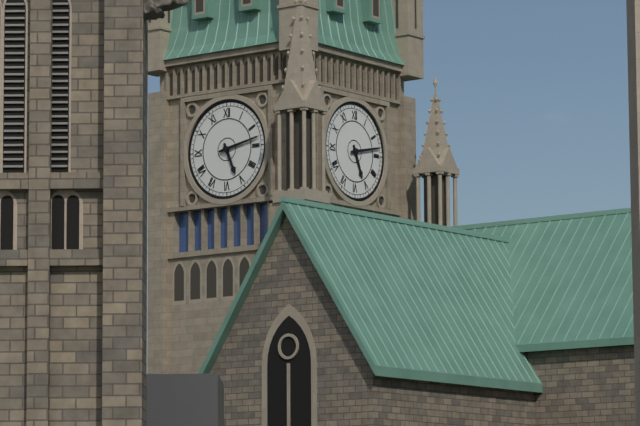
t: 5:13
